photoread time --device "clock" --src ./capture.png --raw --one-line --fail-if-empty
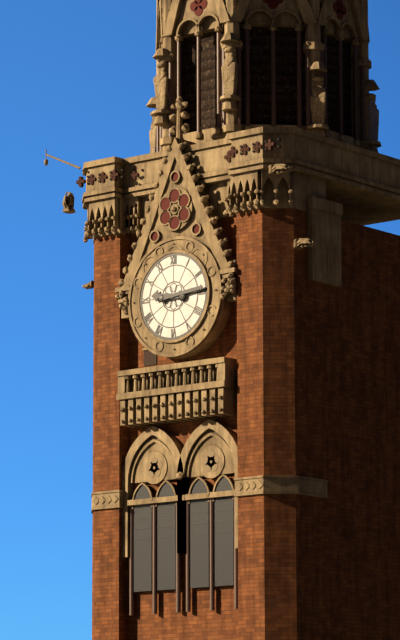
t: 9:14
